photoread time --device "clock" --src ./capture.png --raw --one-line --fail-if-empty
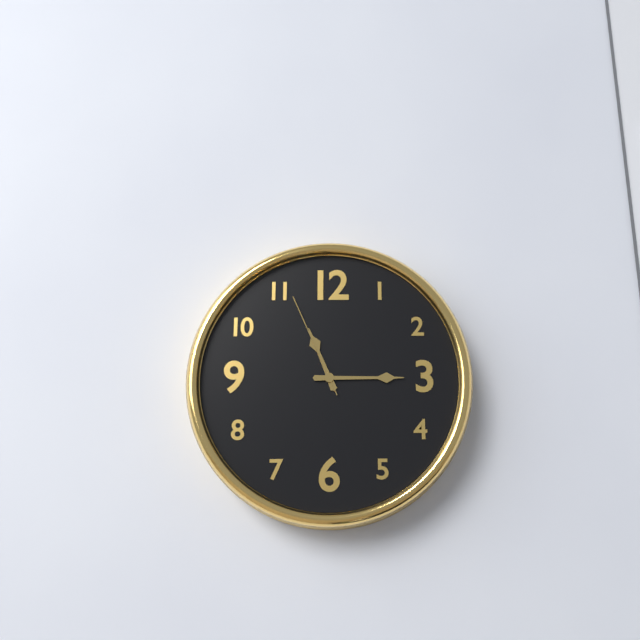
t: 11:15:56
